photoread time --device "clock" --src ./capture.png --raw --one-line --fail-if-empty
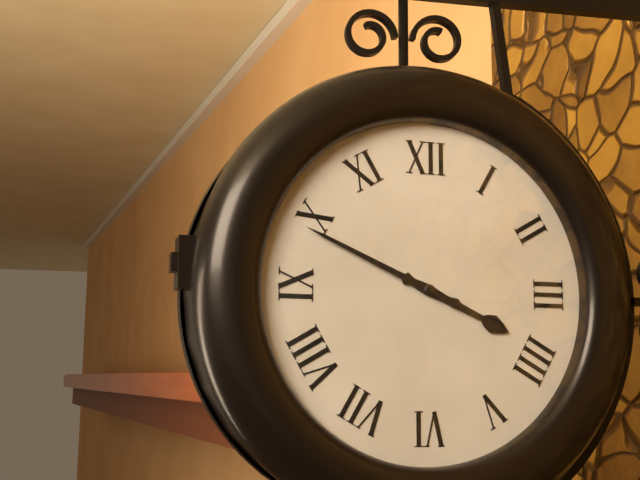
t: 3:49
